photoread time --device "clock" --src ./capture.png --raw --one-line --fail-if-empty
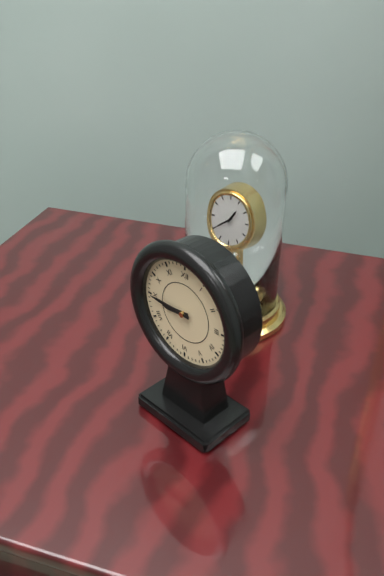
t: 8:45
